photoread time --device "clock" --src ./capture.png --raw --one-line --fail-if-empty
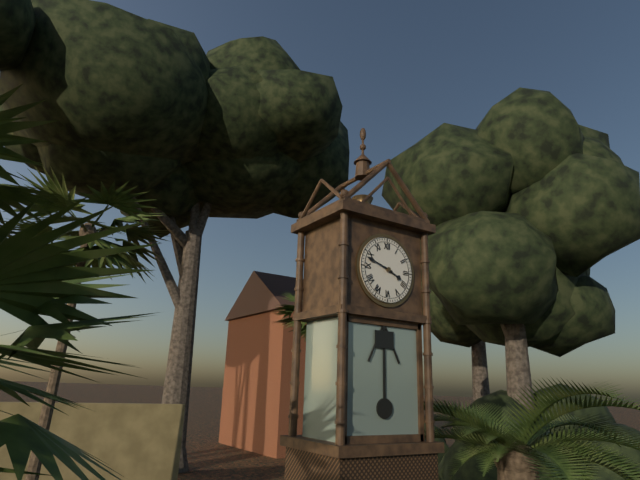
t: 3:48
